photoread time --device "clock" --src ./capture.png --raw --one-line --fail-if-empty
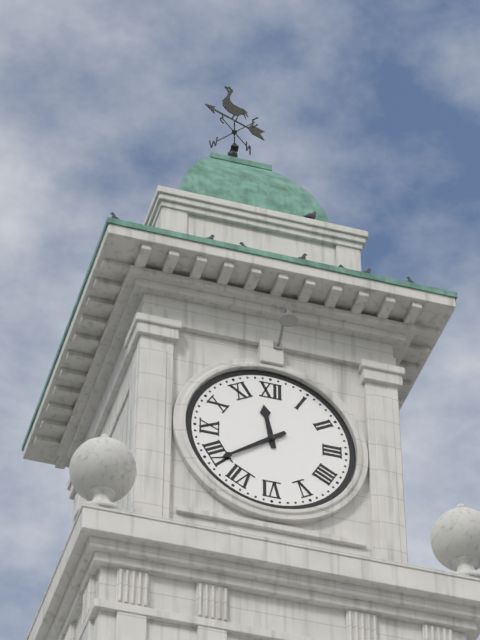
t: 11:39
